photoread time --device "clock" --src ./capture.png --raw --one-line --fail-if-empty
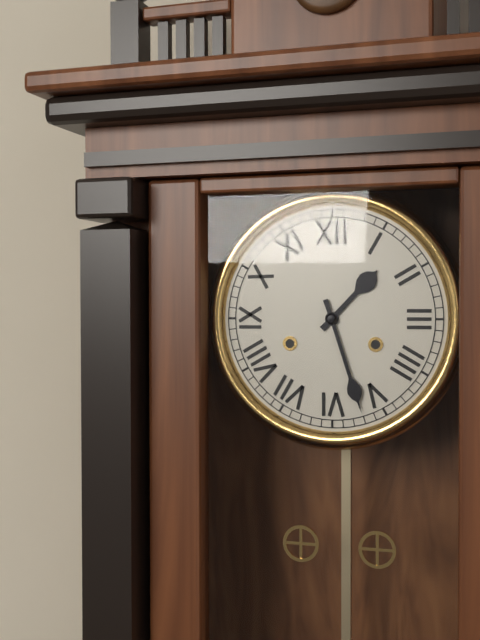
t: 1:27
